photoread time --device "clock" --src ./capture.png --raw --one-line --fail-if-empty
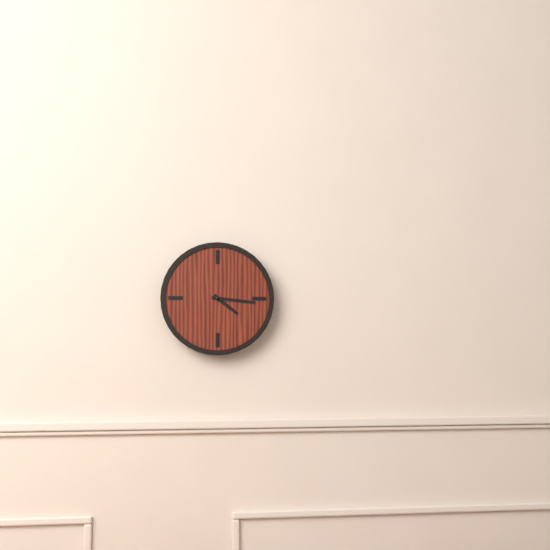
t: 4:16
